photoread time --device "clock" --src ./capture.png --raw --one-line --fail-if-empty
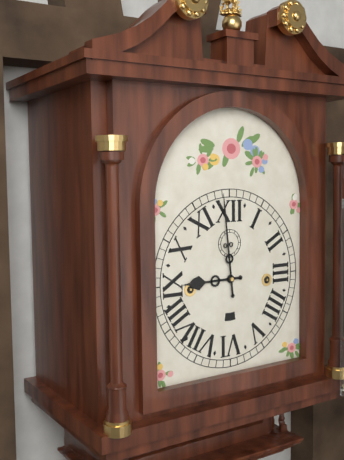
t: 8:59
